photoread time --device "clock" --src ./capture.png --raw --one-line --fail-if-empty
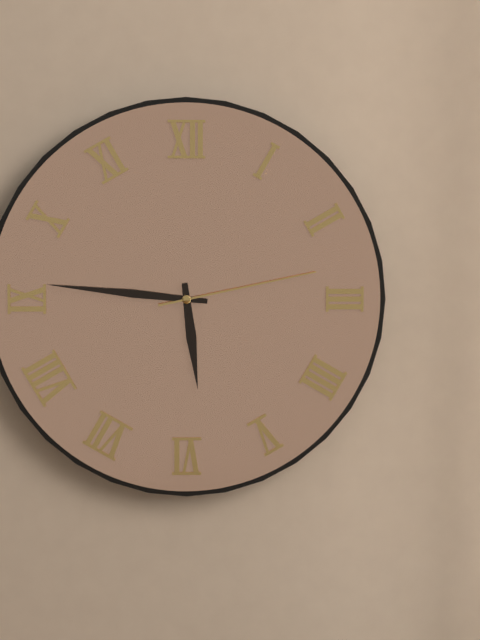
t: 5:46:13
